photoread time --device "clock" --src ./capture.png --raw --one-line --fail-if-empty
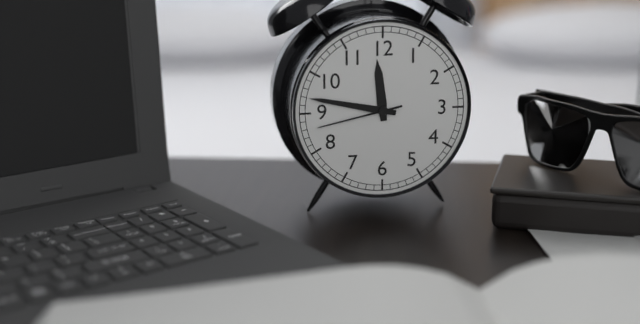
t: 11:47:43
